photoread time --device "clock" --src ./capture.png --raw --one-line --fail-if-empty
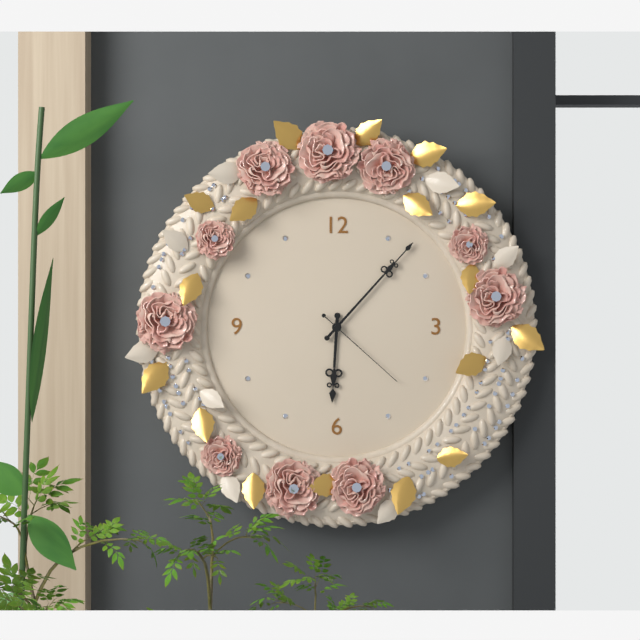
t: 6:07:22
